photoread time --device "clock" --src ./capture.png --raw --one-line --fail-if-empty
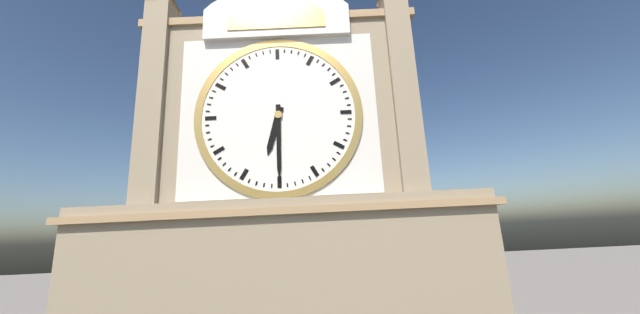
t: 6:30
